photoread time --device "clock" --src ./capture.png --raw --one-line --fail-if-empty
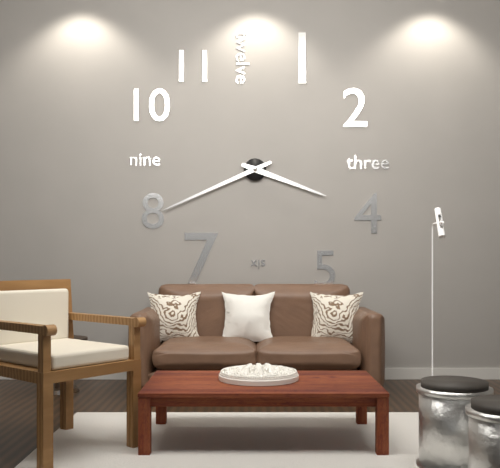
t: 3:41
